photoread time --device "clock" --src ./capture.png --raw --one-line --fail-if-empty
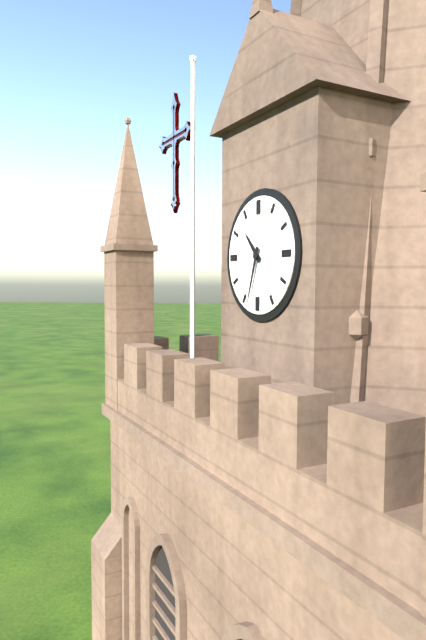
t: 10:33
